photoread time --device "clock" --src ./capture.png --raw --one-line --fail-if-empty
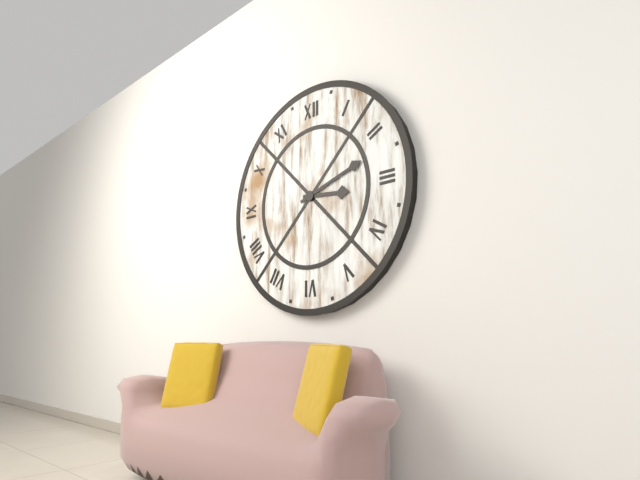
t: 3:12
